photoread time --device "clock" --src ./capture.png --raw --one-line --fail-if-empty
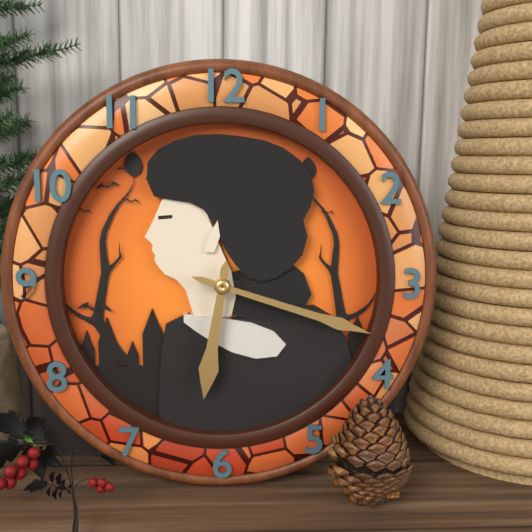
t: 6:18
